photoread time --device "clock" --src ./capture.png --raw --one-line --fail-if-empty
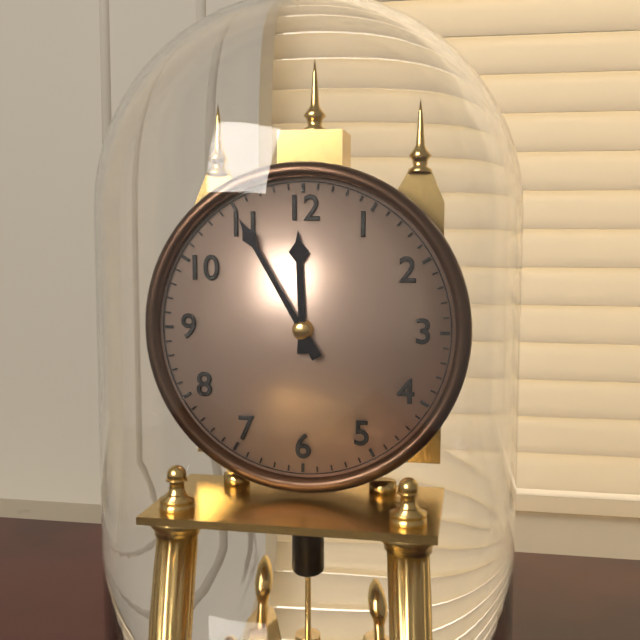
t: 11:55
